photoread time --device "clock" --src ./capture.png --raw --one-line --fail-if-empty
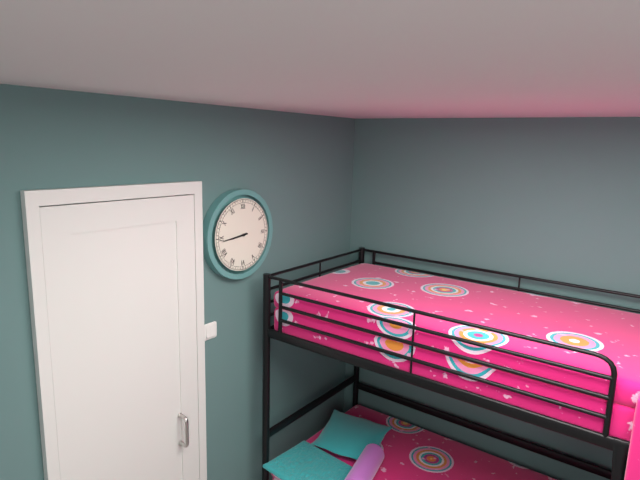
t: 8:44
